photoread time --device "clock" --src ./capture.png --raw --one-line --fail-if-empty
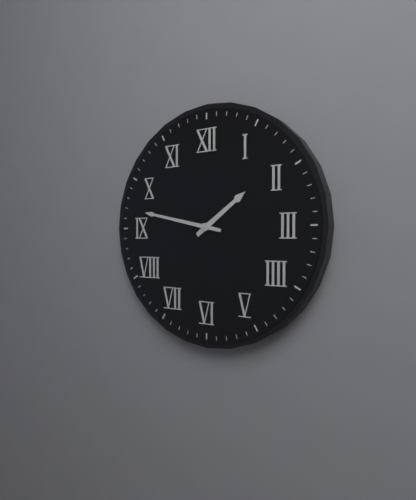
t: 1:47
